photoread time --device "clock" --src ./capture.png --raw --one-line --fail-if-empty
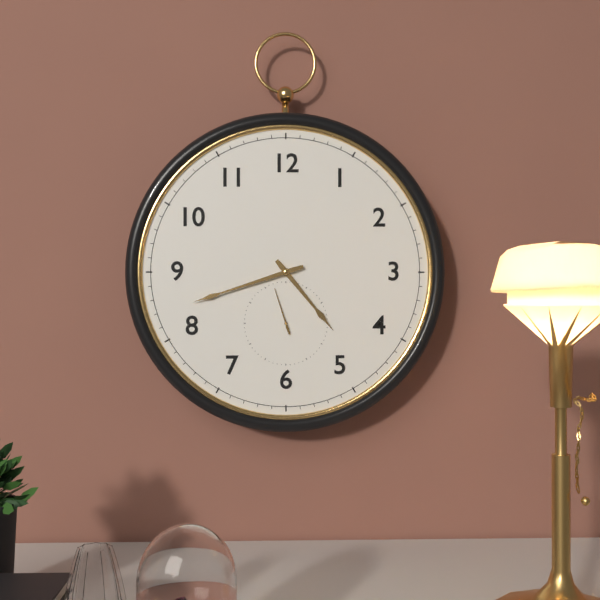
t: 4:42
